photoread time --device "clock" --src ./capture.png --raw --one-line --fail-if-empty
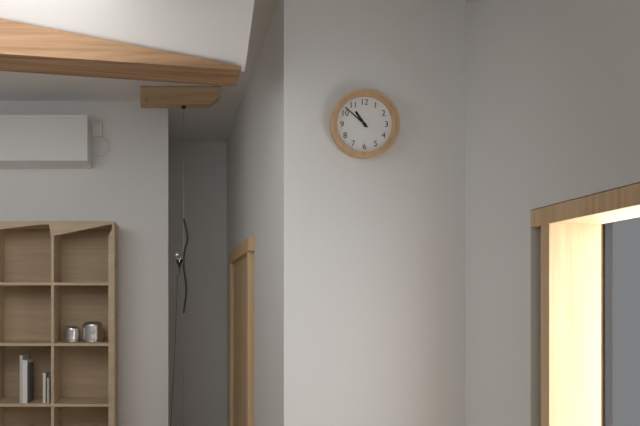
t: 10:52
